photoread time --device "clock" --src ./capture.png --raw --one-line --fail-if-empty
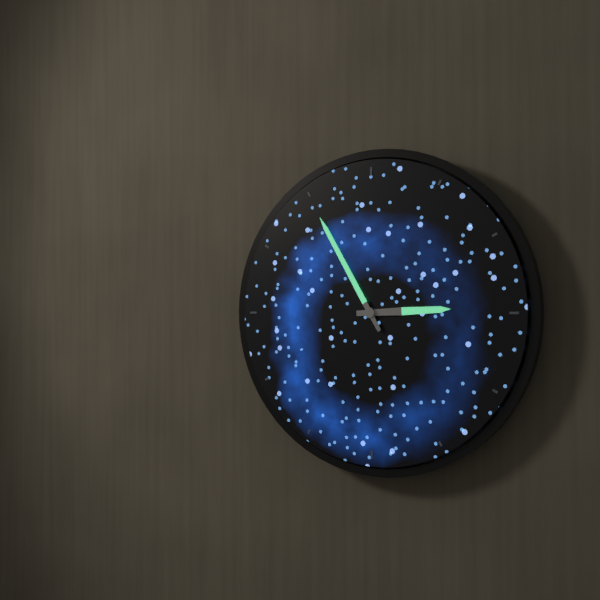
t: 2:55
